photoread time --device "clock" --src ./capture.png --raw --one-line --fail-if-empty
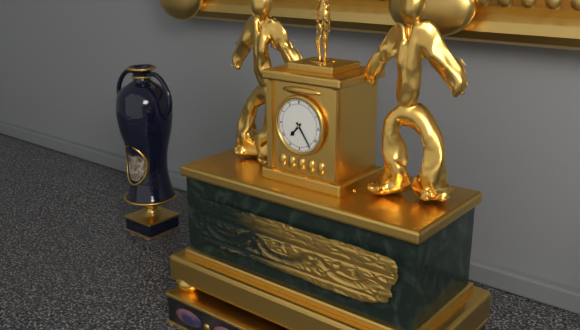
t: 7:24
